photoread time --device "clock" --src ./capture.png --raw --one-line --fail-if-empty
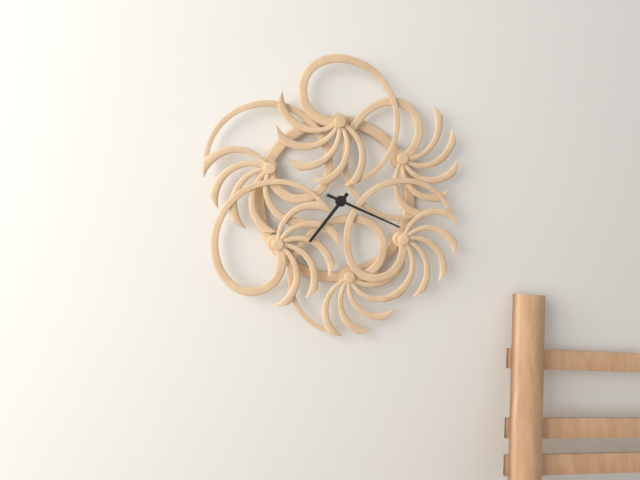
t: 7:19
